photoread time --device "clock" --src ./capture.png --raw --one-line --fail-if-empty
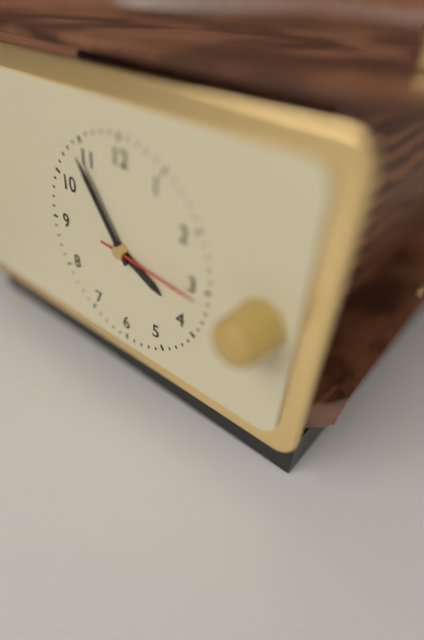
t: 3:54:16
